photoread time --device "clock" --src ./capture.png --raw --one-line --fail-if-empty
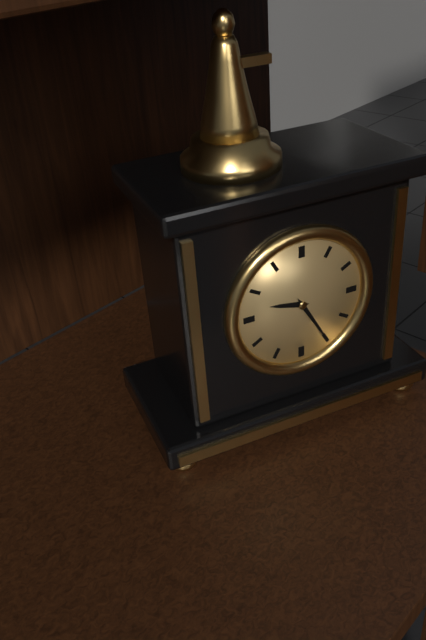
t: 9:25
